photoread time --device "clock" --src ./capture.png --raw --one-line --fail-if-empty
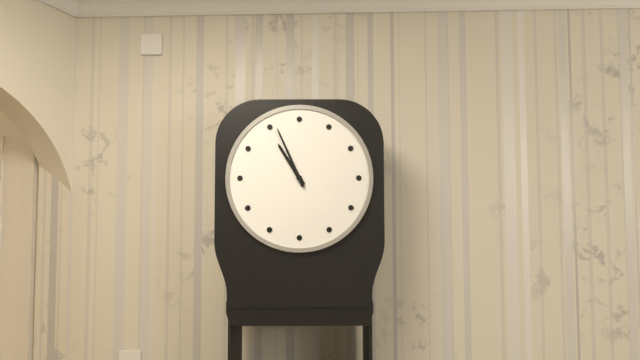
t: 10:56
